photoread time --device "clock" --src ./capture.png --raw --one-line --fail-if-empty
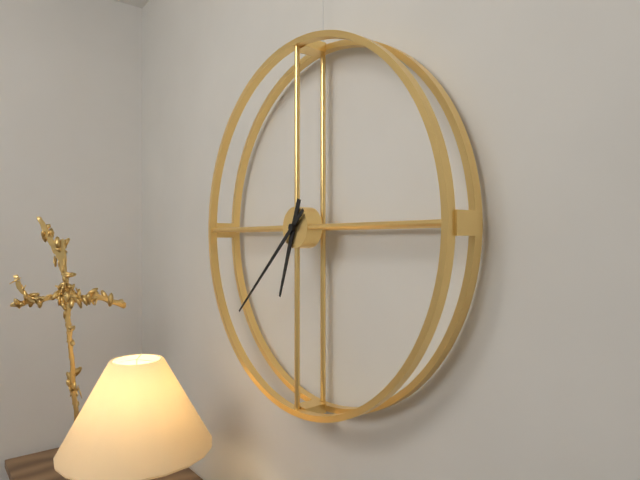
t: 6:38
